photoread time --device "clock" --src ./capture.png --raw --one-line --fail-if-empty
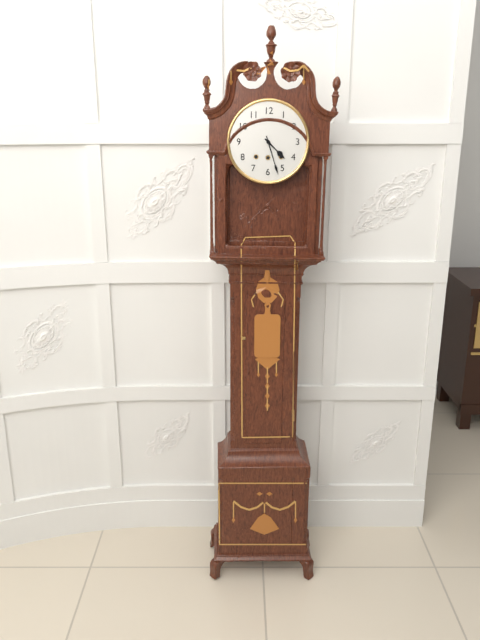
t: 4:27
